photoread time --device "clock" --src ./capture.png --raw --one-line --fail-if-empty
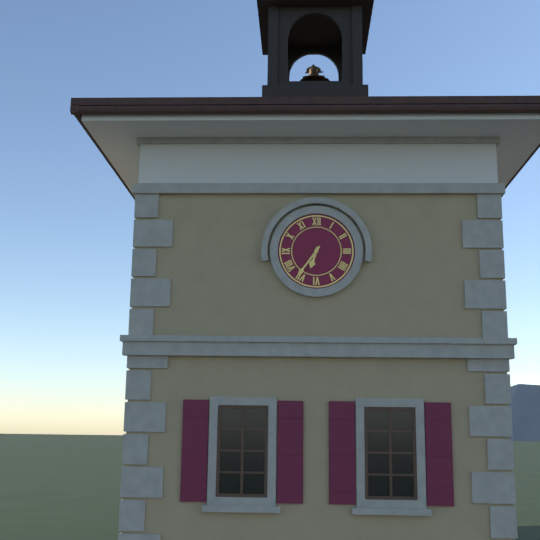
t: 6:36
